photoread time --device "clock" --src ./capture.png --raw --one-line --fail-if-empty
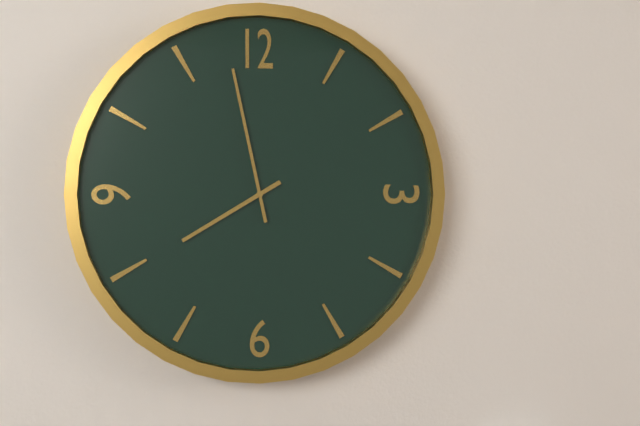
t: 7:58
